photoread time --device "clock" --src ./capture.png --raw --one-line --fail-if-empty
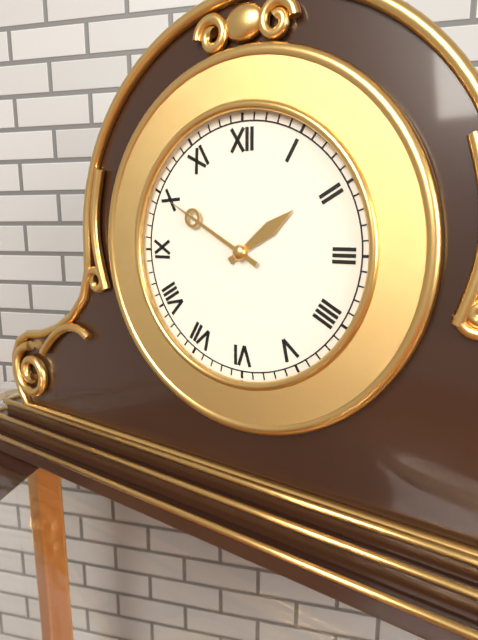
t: 1:50
